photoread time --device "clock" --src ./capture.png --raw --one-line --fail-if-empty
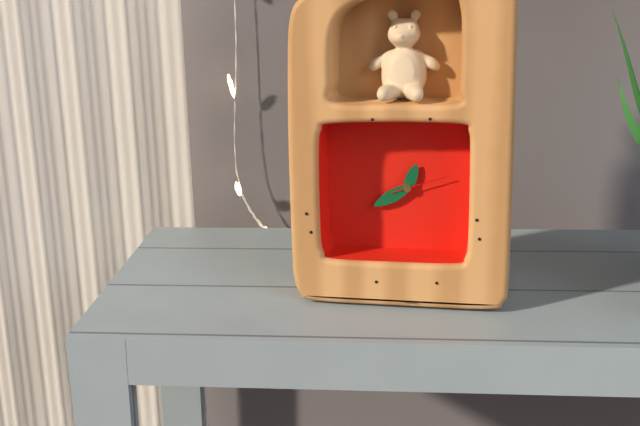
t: 12:40:12
